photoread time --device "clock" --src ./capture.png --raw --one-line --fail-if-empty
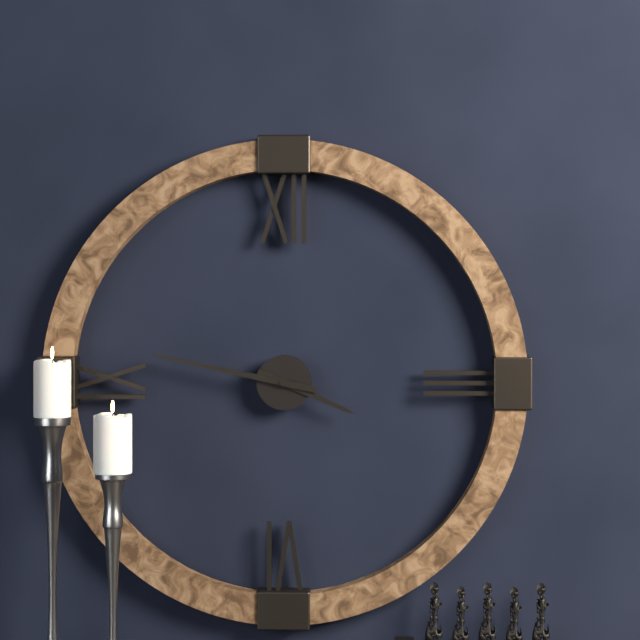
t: 3:47
